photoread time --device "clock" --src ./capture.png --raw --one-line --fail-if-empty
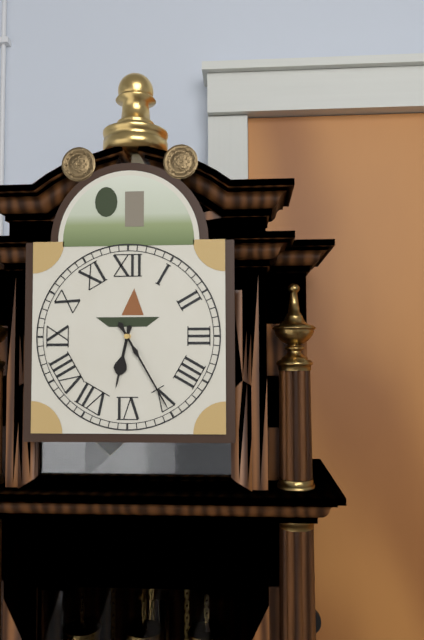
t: 6:25
